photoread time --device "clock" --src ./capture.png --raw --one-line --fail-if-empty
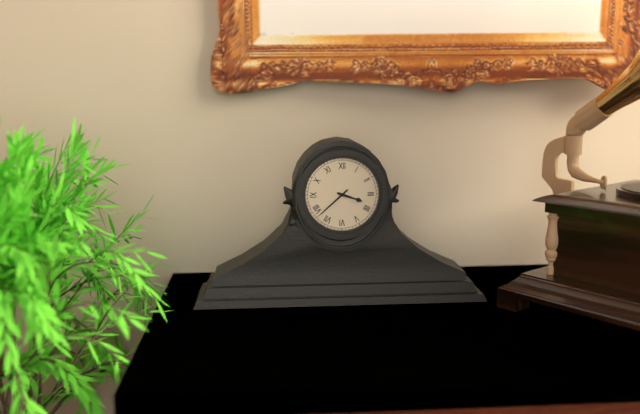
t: 3:38
